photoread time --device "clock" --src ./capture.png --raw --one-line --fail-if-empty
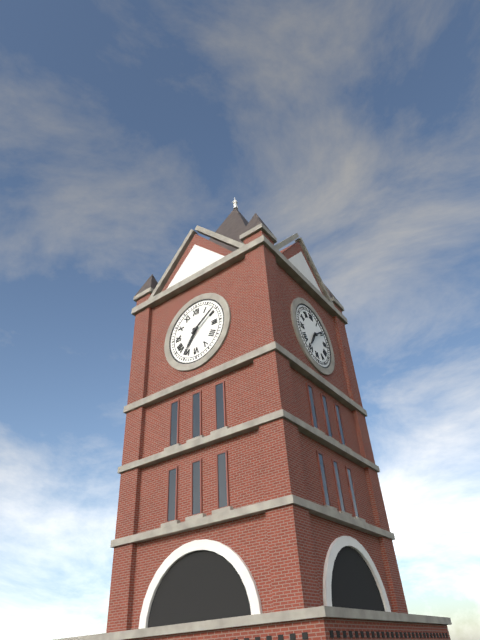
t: 7:09
